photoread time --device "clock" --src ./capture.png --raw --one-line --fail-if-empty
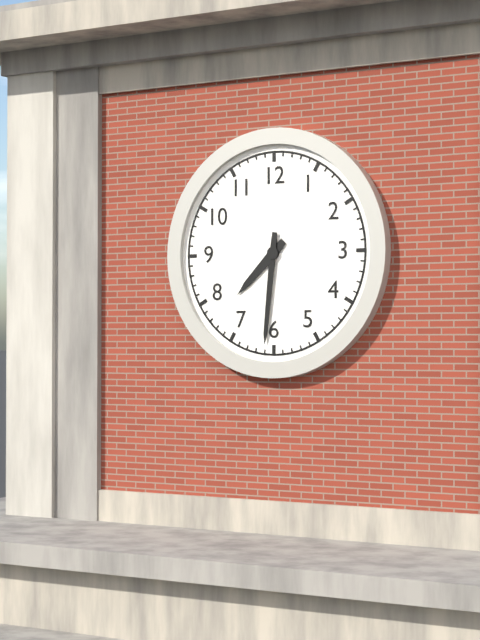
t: 7:31
